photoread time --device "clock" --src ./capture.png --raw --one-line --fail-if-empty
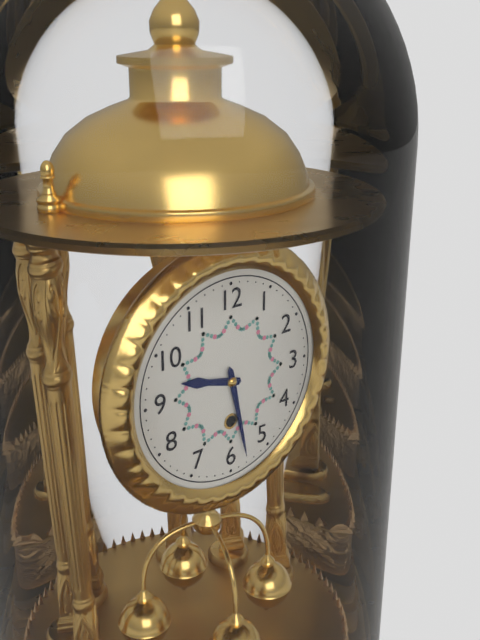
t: 9:28
